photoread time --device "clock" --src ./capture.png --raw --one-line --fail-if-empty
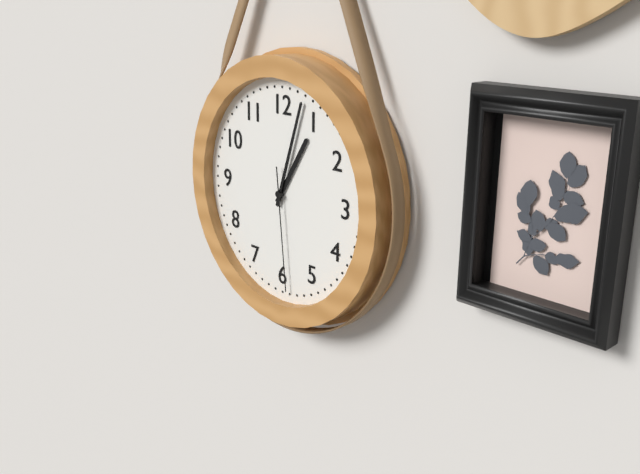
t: 1:03:29
